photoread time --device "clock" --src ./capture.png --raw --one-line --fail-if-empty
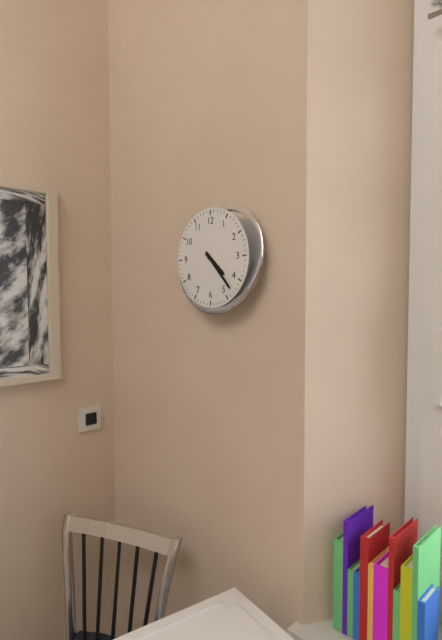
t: 4:23
